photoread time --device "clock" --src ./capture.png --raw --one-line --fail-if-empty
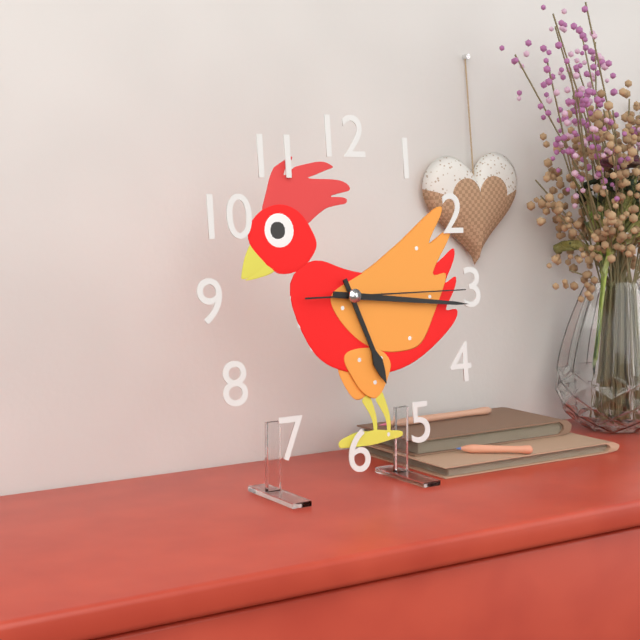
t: 5:16:15
